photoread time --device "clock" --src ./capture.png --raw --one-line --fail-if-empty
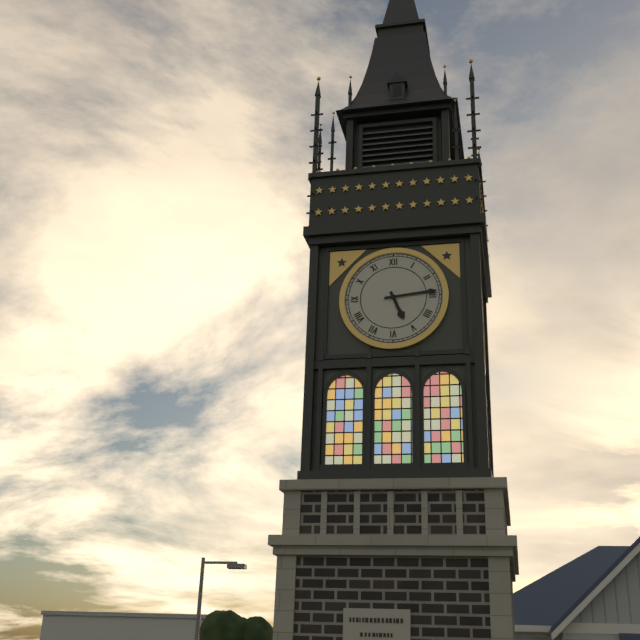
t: 5:14
